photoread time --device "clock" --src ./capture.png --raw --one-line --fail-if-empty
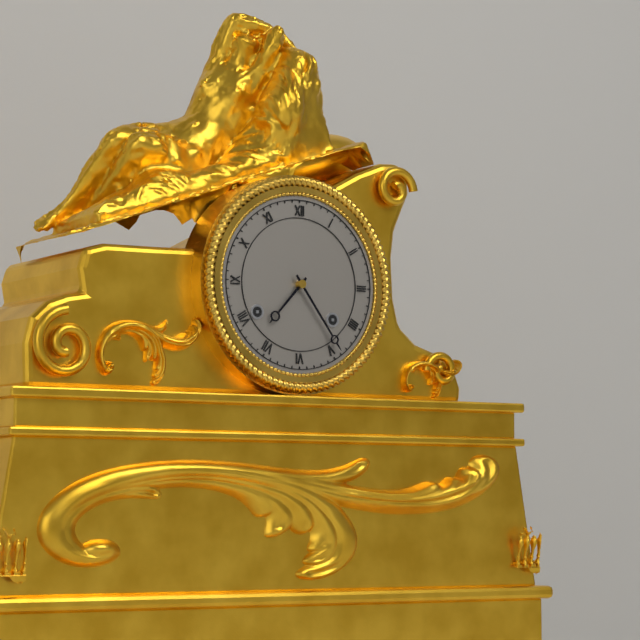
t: 7:24
